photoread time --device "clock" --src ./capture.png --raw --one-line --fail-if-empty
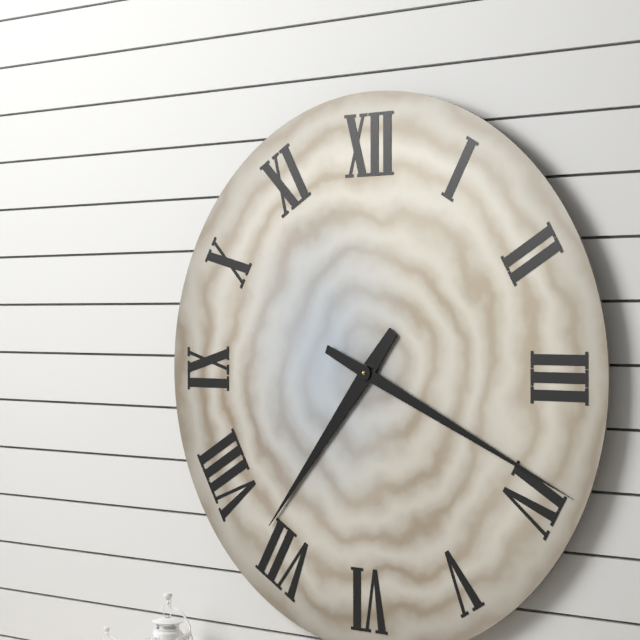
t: 7:19
